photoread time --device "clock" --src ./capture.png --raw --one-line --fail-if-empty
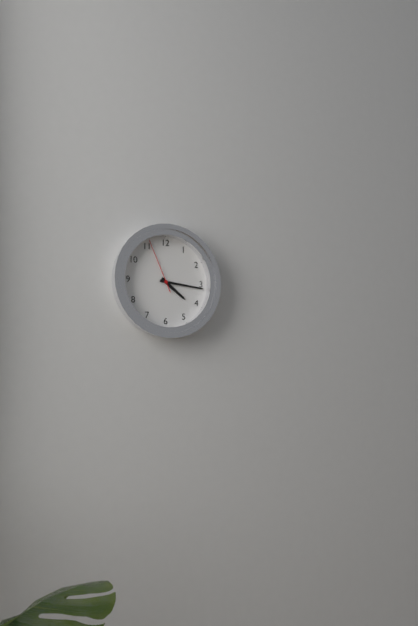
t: 4:16:56
